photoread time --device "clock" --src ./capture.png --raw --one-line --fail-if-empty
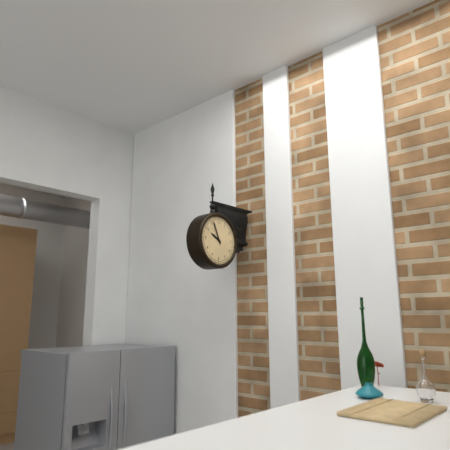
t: 9:56
